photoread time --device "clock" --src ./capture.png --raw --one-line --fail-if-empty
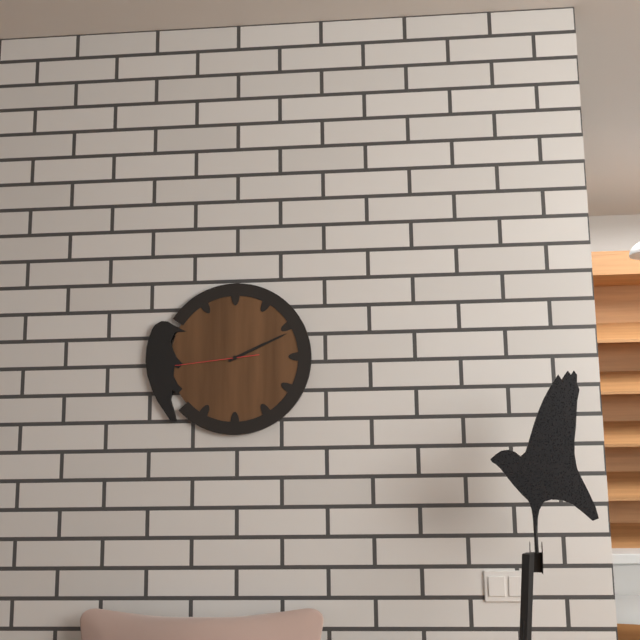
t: 2:11:44
